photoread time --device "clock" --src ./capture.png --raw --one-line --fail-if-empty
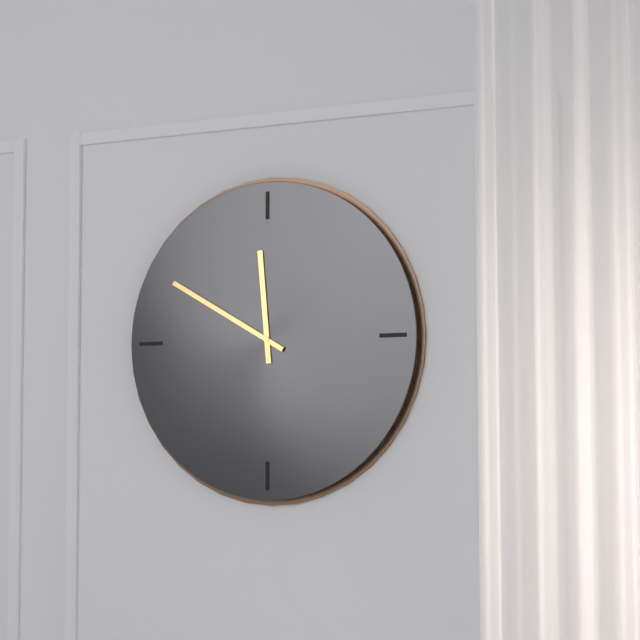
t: 11:50
